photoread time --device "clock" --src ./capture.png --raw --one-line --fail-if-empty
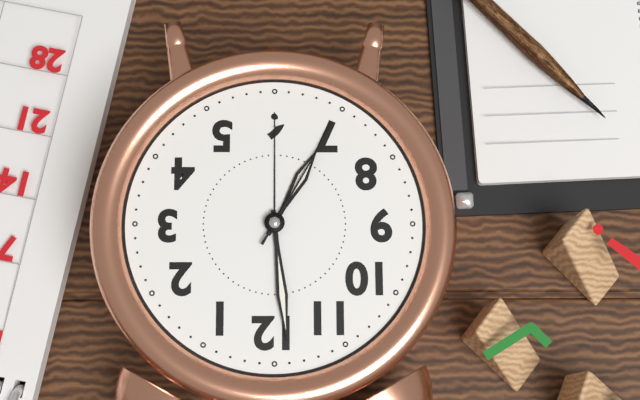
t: 6:59:35
